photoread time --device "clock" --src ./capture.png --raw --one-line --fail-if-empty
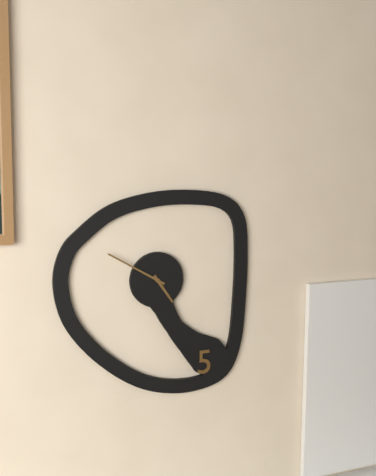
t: 4:50
